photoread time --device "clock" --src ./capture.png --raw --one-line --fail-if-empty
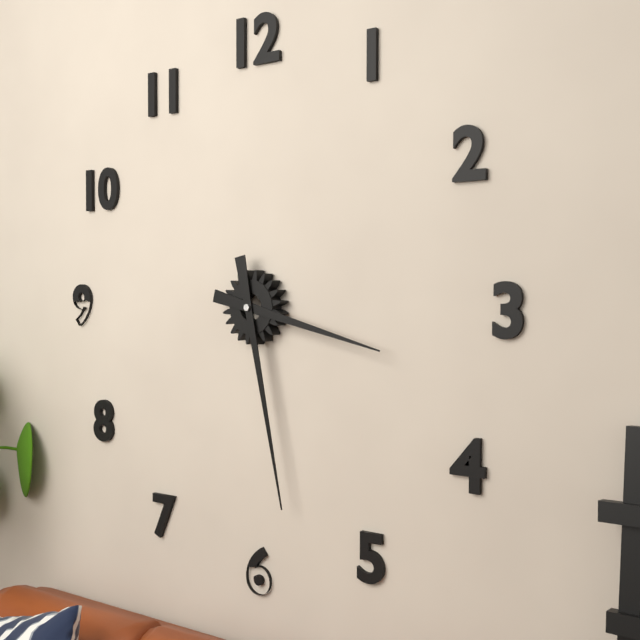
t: 3:28
